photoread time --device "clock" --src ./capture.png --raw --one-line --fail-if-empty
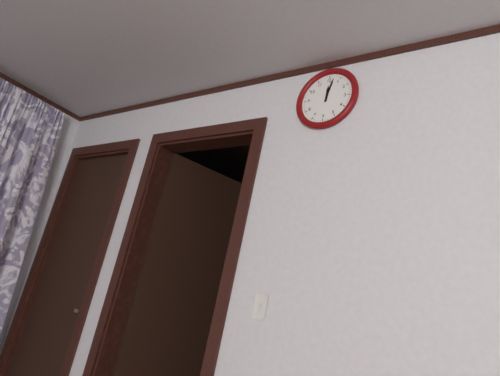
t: 12:02
